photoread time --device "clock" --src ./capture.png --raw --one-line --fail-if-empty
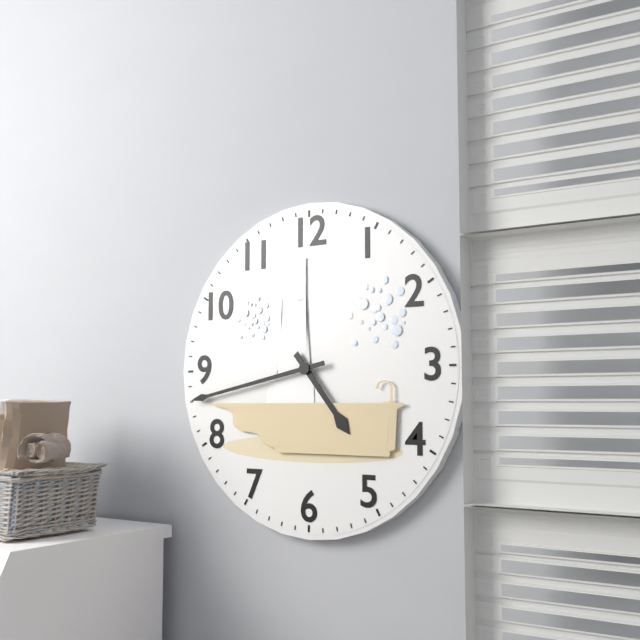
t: 4:43
